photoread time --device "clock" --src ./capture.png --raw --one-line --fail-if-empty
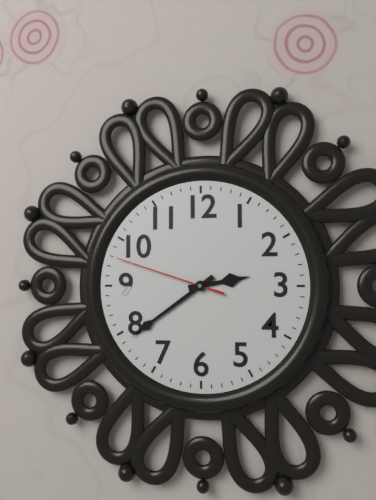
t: 2:39:48
